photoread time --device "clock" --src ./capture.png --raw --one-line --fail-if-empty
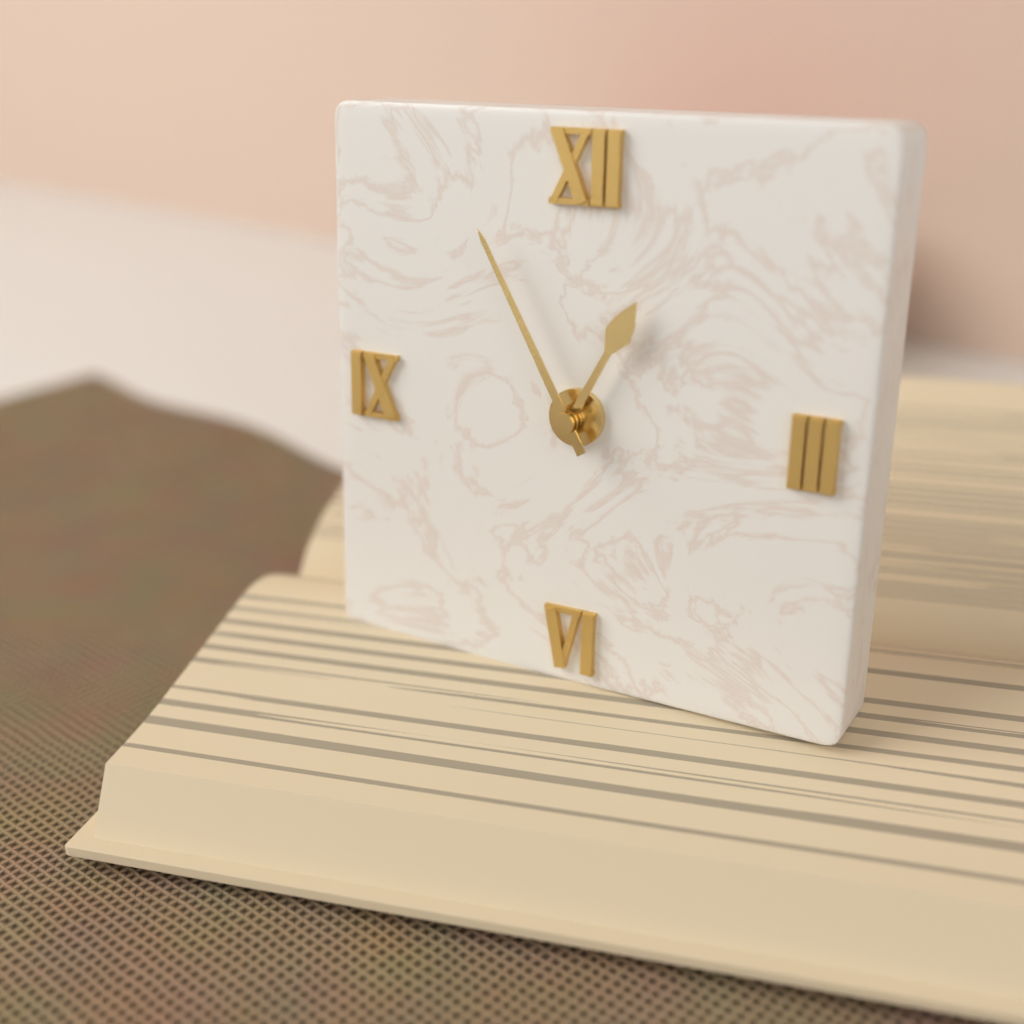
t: 12:55
